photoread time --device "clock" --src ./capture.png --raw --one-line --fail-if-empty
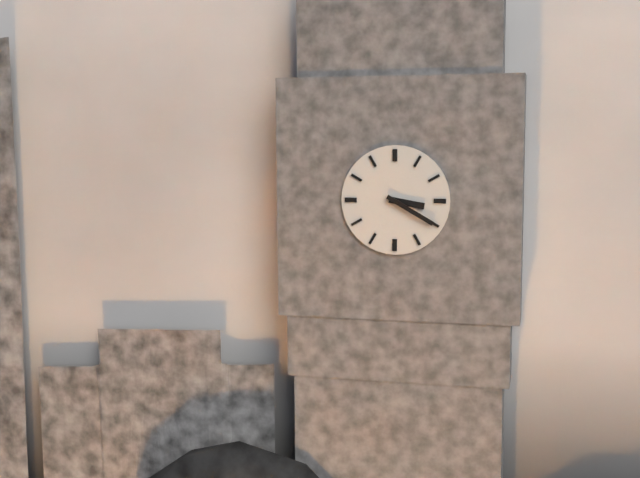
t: 3:20
